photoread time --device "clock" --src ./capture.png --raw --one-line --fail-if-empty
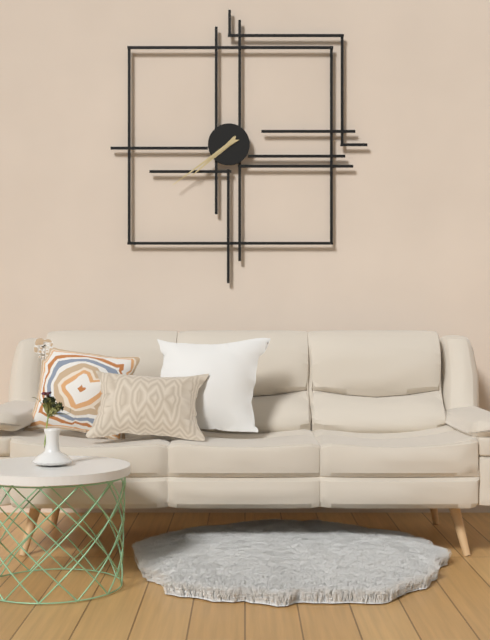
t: 7:39
